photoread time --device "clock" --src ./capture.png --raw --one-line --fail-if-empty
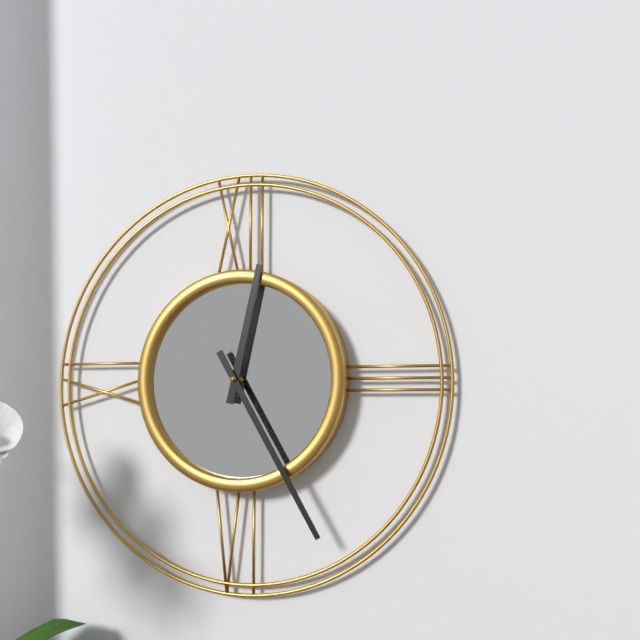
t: 12:25
